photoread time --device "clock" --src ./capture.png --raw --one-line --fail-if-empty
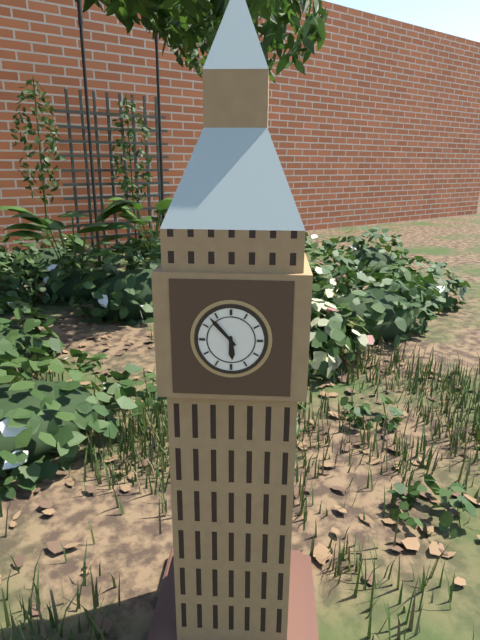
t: 5:53
